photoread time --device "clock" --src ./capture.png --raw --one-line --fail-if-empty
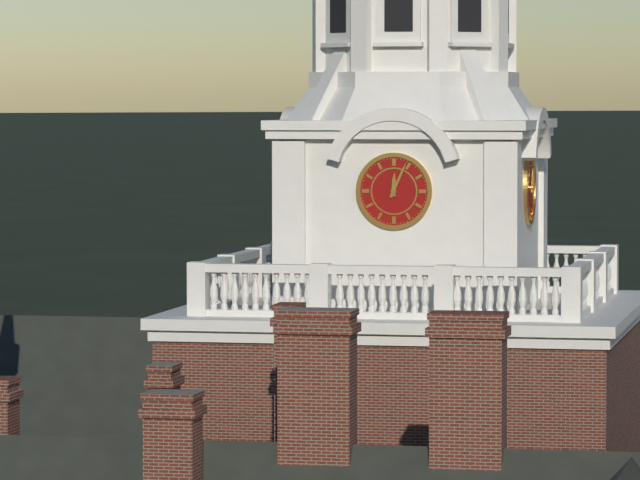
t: 12:04
